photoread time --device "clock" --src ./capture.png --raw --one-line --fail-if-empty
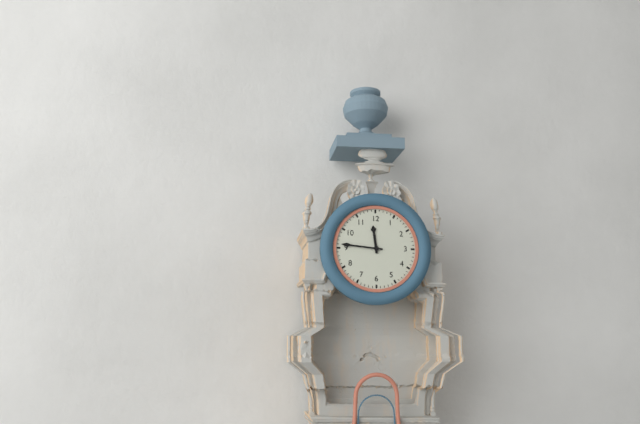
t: 11:46
